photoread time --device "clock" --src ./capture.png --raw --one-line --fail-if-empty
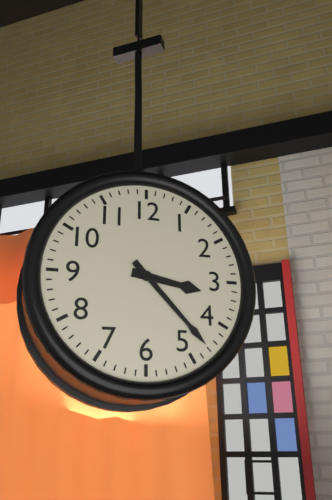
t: 3:23
